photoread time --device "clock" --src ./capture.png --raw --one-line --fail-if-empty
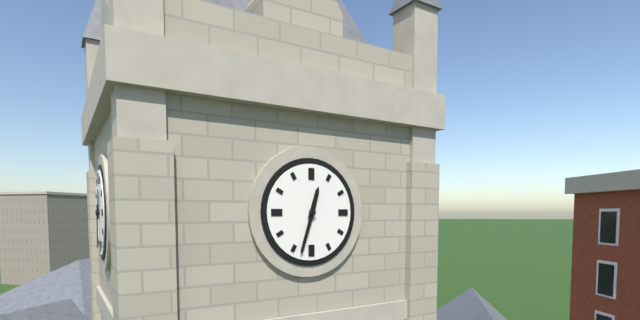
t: 12:33
